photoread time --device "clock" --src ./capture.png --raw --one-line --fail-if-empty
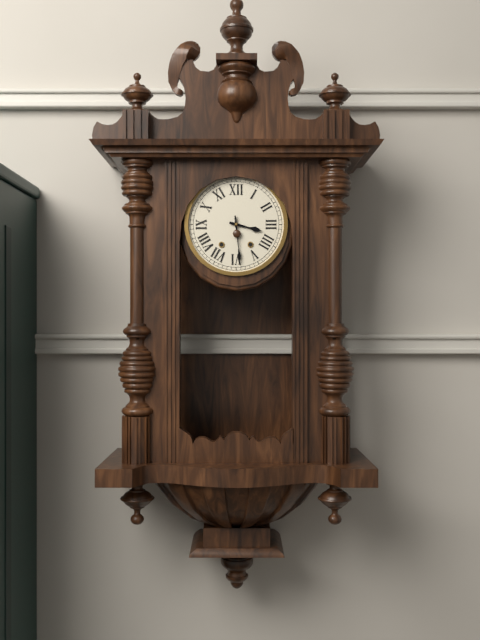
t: 3:29
